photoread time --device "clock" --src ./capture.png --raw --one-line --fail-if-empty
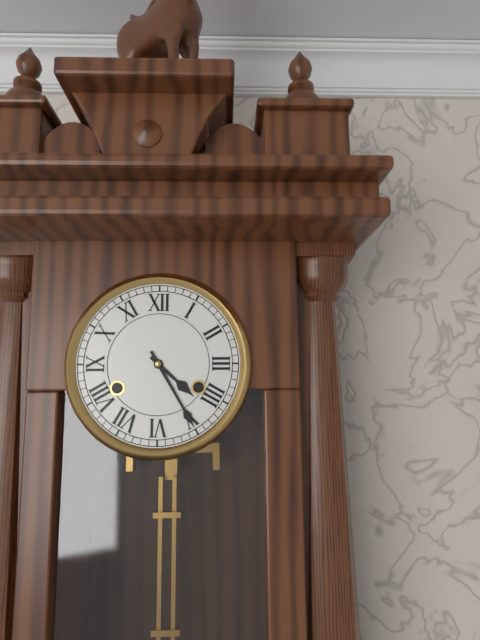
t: 4:25
